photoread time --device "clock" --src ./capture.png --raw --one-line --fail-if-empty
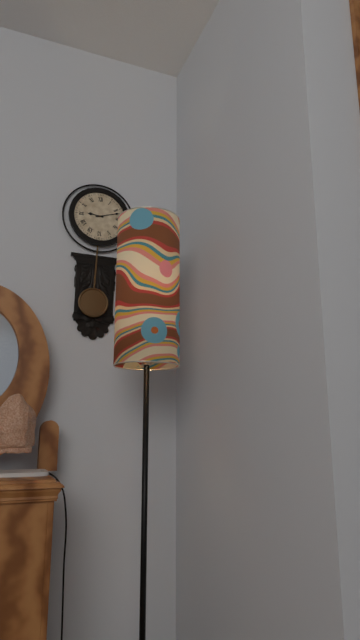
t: 9:12
